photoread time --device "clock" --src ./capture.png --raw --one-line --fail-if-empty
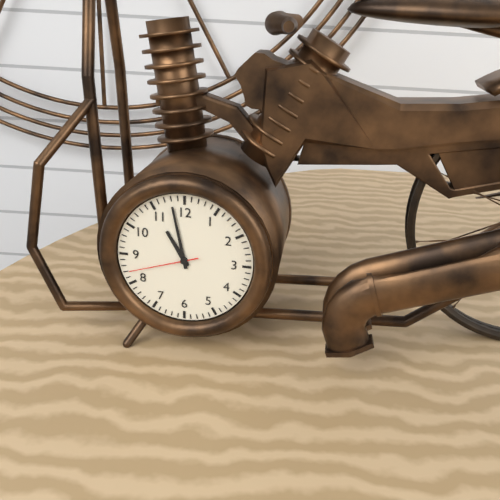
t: 10:58:42
